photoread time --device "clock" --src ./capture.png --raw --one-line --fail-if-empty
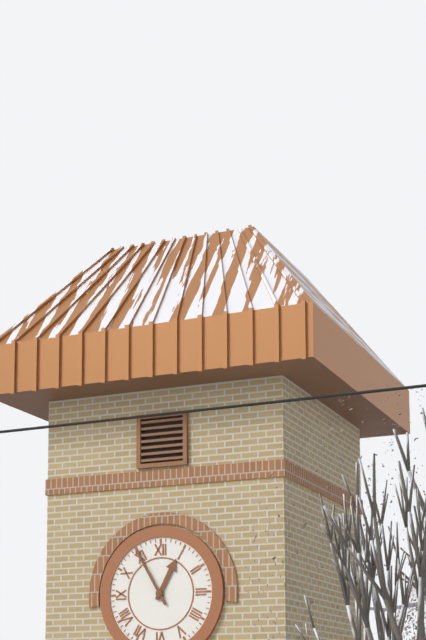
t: 12:55
